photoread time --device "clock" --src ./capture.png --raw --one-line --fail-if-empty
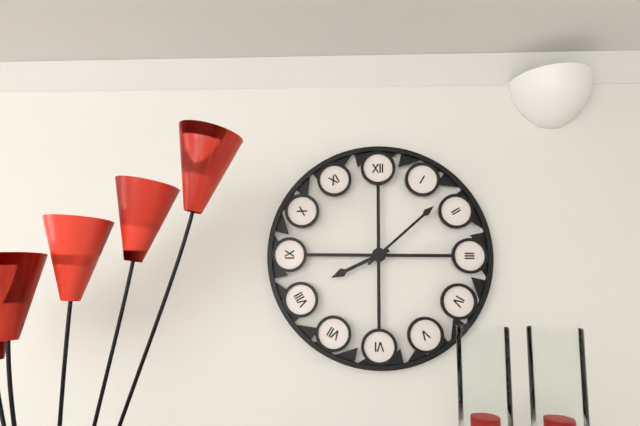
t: 8:08
